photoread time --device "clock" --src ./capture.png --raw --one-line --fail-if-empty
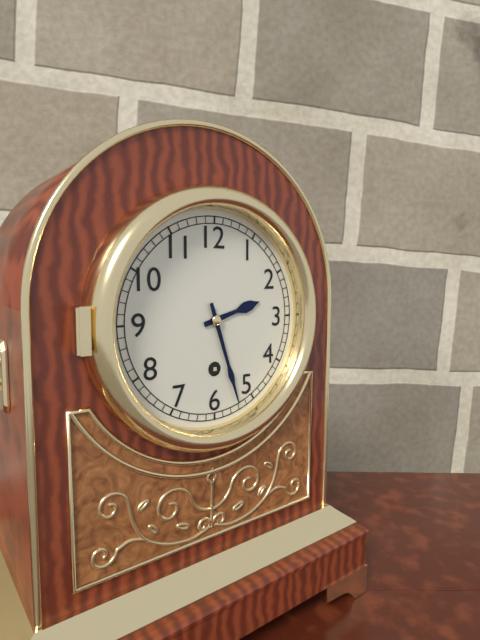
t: 2:27
